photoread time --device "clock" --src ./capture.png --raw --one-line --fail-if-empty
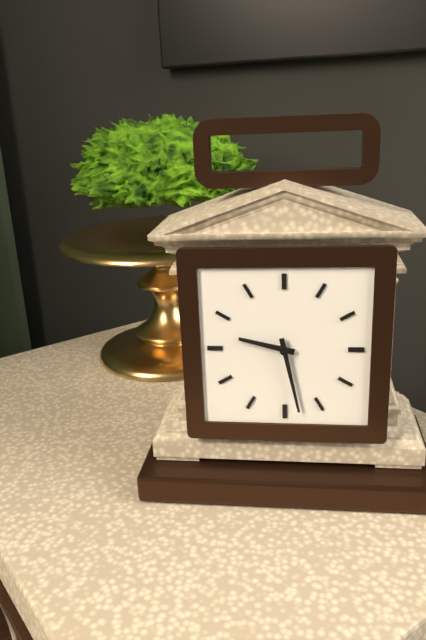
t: 9:28
